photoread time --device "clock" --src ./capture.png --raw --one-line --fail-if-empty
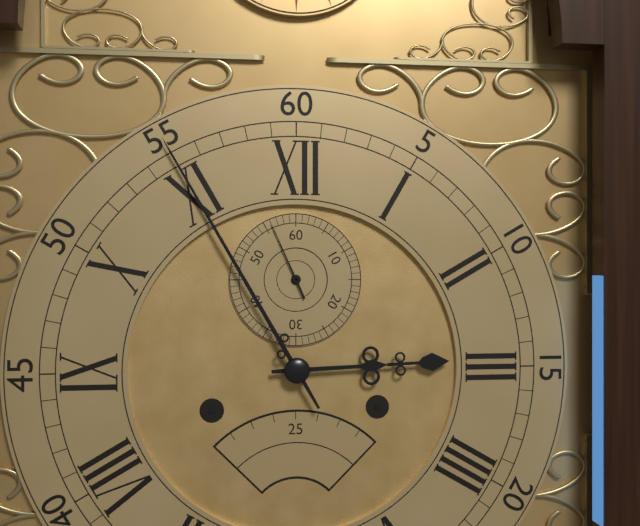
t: 2:55:56
